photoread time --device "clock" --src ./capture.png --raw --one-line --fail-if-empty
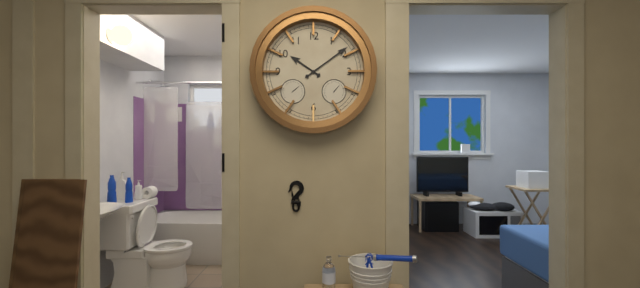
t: 10:09
